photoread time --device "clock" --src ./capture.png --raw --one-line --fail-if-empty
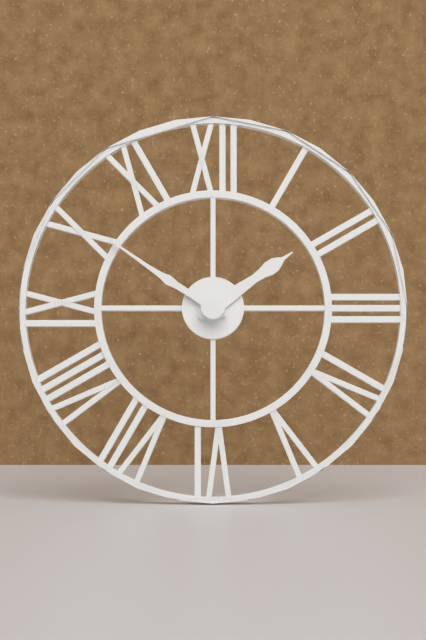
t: 1:50
